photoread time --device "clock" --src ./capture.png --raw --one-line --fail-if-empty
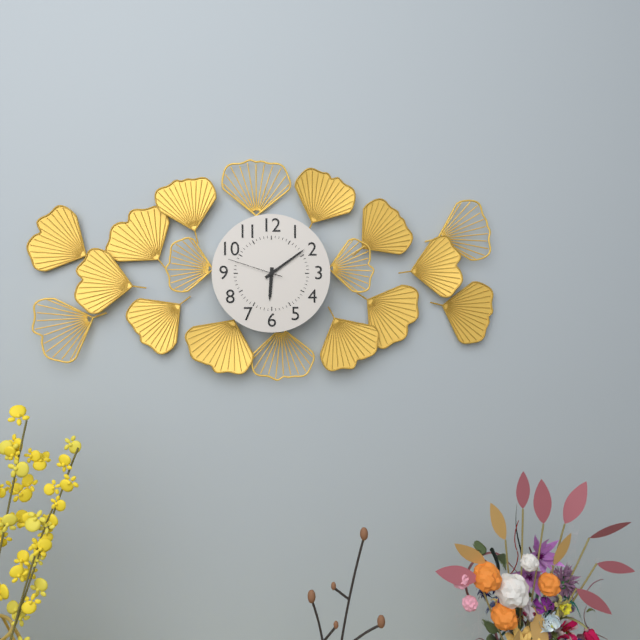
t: 6:09:48
